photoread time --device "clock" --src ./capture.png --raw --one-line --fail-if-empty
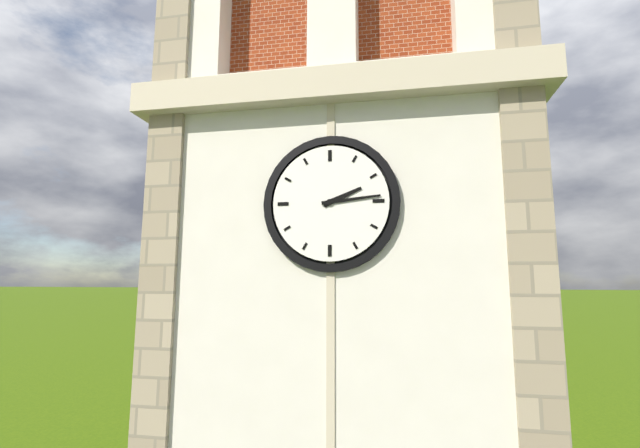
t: 2:14
